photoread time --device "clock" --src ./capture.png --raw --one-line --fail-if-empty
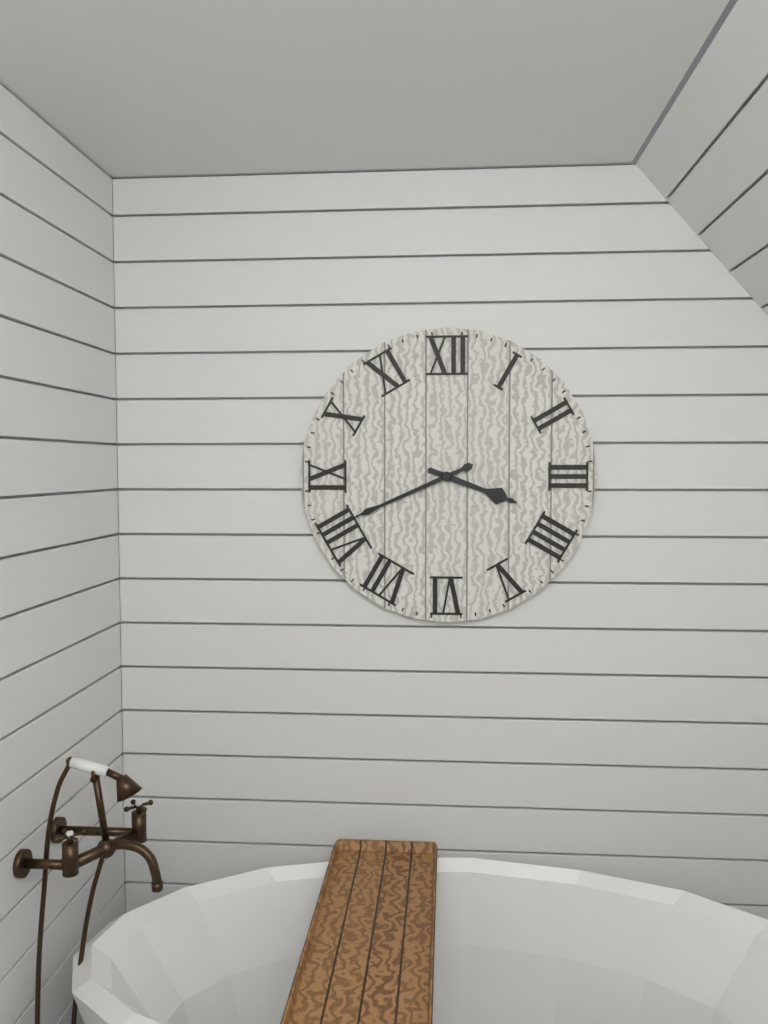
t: 3:41
